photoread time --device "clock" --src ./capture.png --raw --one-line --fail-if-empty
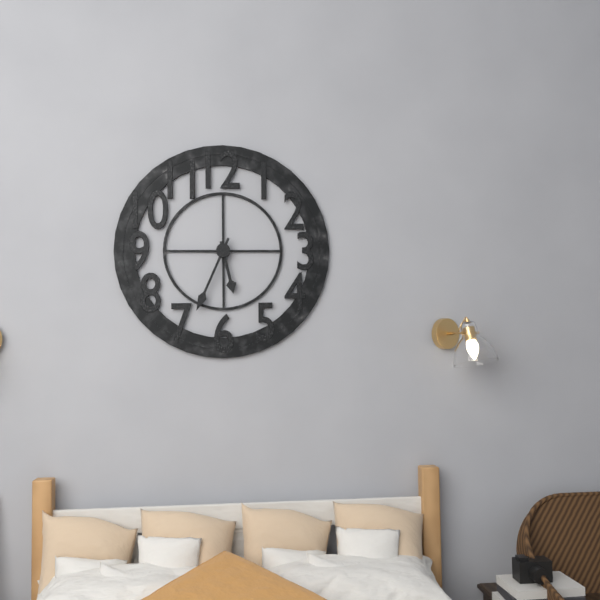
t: 5:34
